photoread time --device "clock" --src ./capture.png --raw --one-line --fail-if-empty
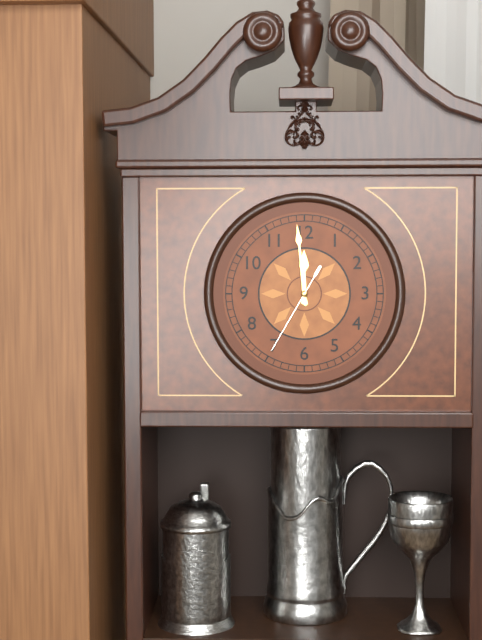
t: 11:59:35
